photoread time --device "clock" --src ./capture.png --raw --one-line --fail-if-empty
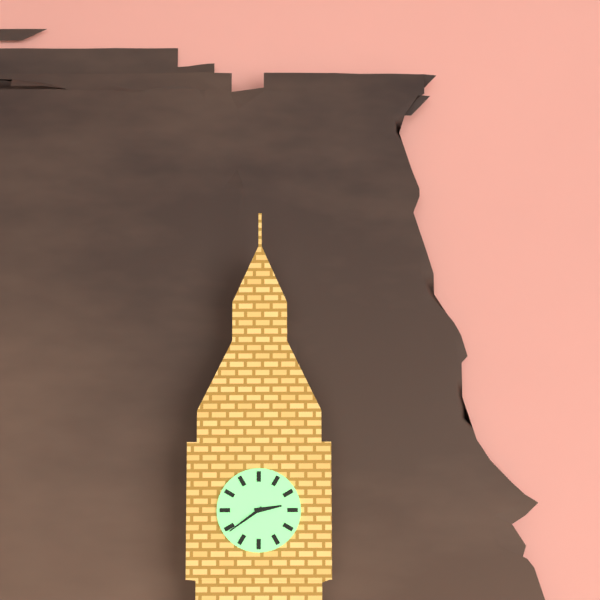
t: 2:39
